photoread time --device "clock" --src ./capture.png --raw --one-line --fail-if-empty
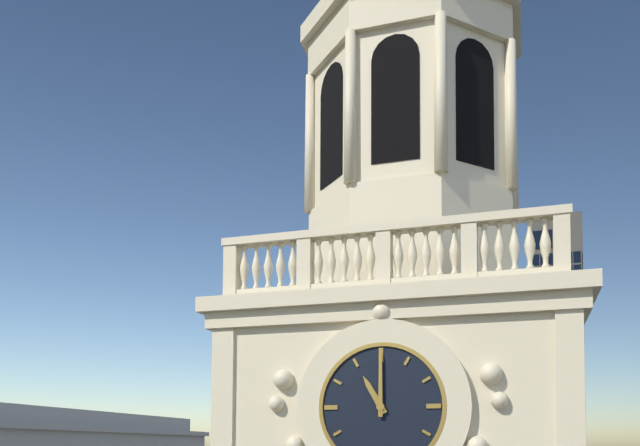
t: 11:00
